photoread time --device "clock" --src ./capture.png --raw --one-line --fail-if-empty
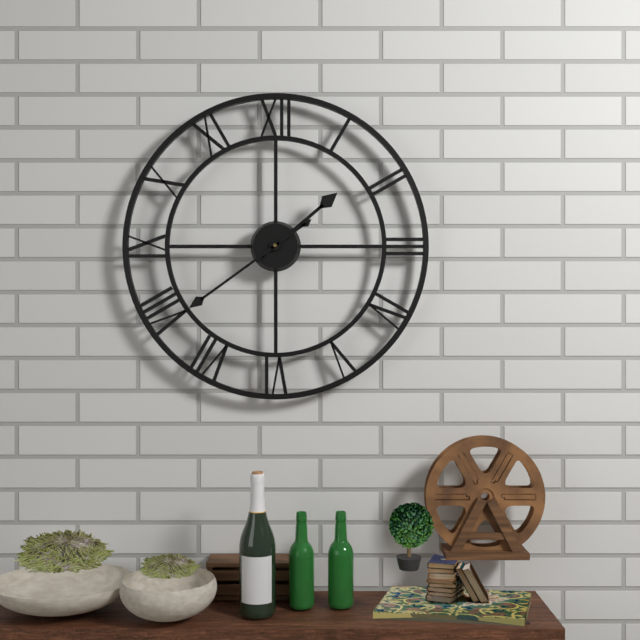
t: 1:39
